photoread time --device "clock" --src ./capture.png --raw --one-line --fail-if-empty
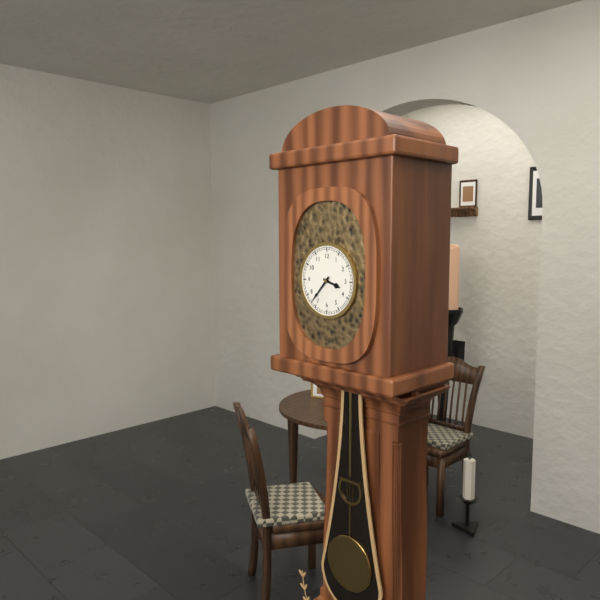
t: 3:37
